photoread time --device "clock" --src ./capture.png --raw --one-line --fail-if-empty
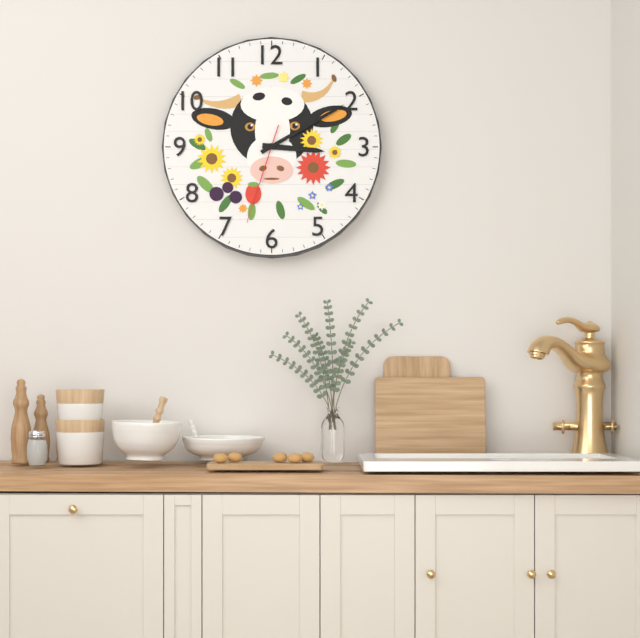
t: 3:10:33
